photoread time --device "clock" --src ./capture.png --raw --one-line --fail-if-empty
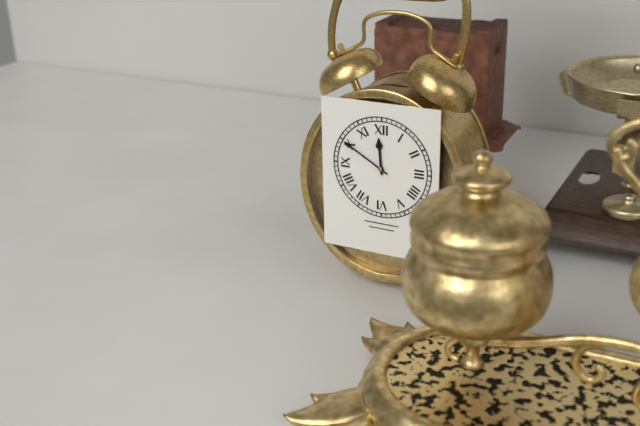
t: 11:50
